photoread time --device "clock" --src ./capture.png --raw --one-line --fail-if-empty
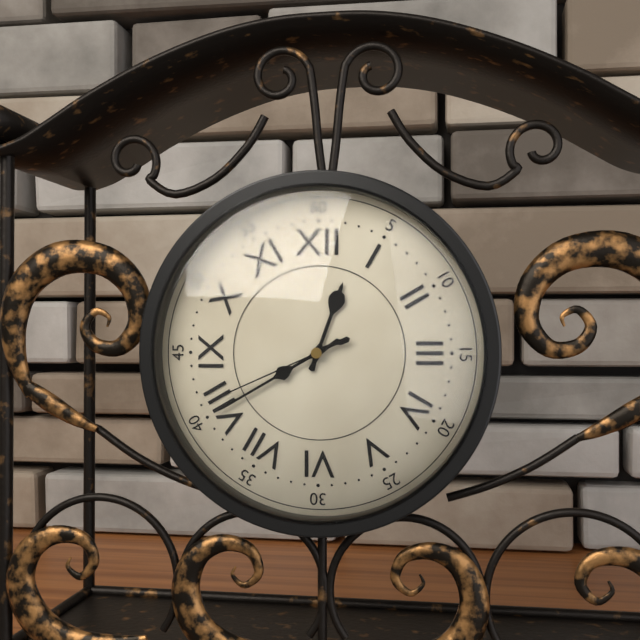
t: 12:40:41
